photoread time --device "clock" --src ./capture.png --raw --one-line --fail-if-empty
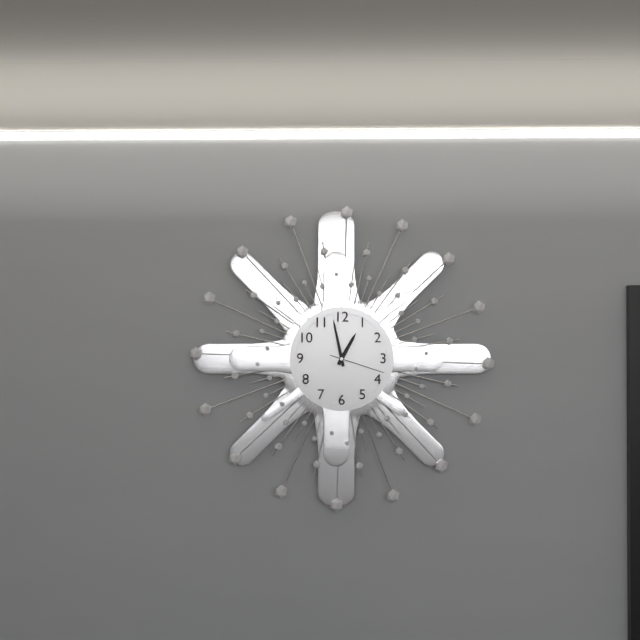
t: 12:58:18
